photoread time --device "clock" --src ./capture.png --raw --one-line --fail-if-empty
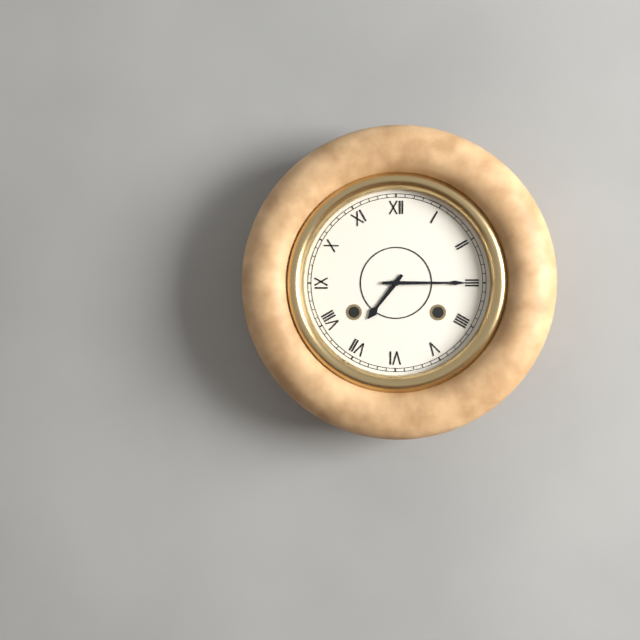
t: 7:15
